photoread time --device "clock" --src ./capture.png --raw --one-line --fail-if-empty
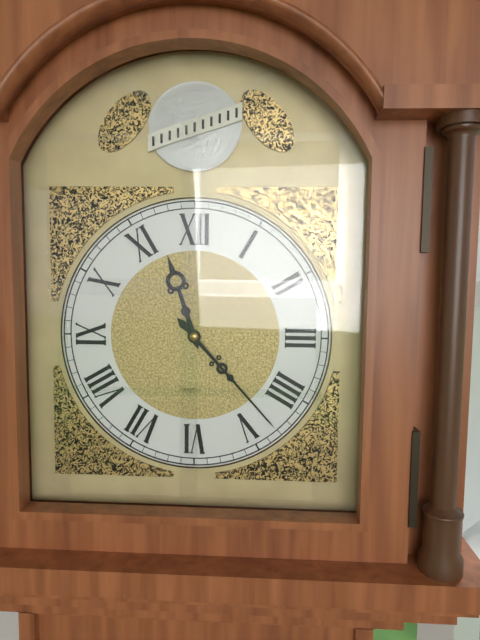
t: 11:23
